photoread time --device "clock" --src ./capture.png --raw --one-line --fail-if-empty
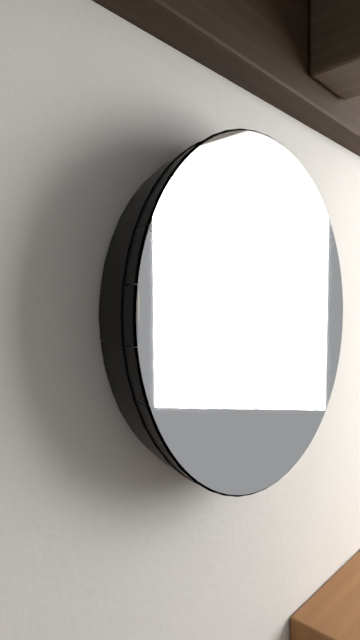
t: 7:56
